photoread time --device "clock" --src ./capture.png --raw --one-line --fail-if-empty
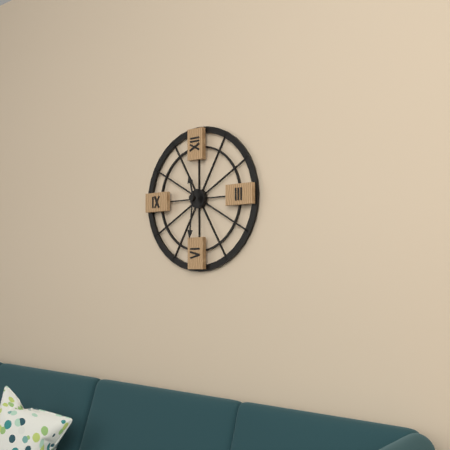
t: 11:31
